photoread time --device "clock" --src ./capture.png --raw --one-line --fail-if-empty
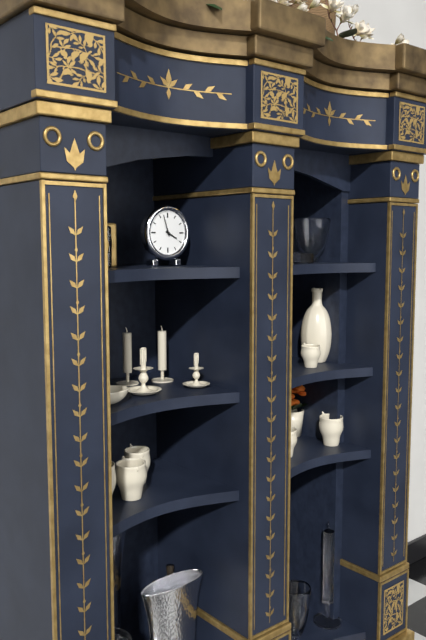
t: 3:57
